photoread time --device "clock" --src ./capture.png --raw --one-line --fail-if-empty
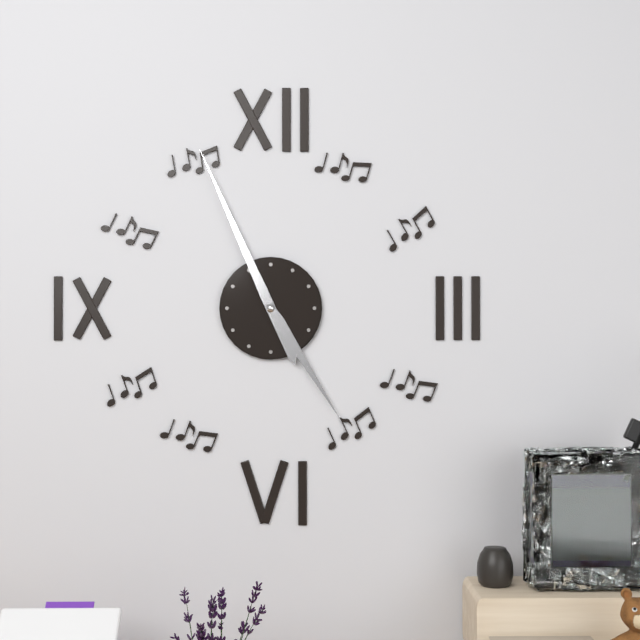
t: 4:56
